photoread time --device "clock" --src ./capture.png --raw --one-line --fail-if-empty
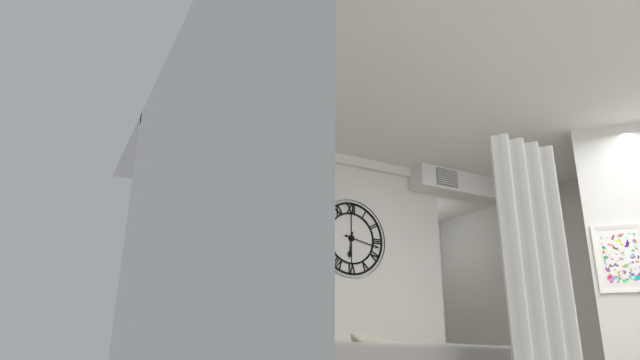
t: 6:17
